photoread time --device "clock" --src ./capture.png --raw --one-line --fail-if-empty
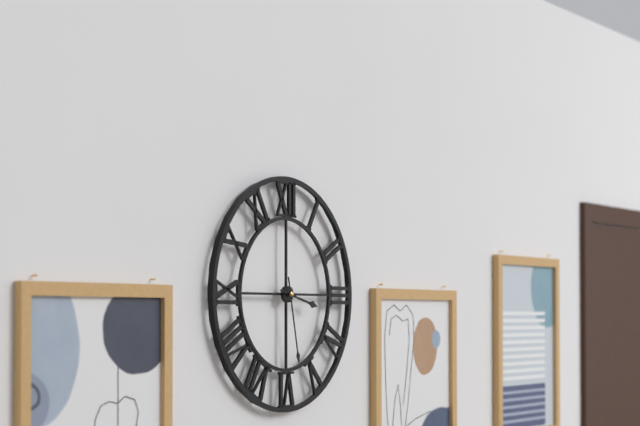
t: 3:28
